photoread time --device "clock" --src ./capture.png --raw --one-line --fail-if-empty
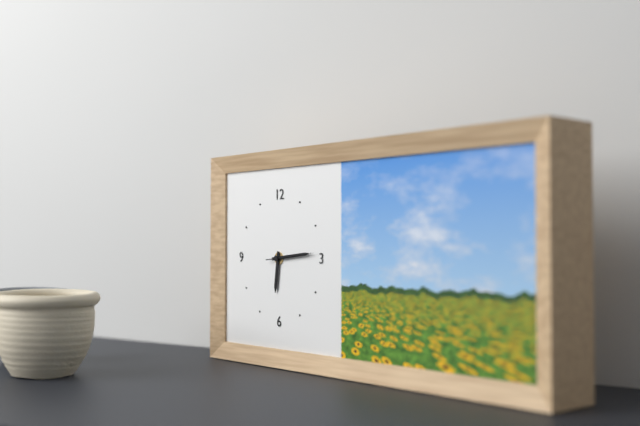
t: 6:14
